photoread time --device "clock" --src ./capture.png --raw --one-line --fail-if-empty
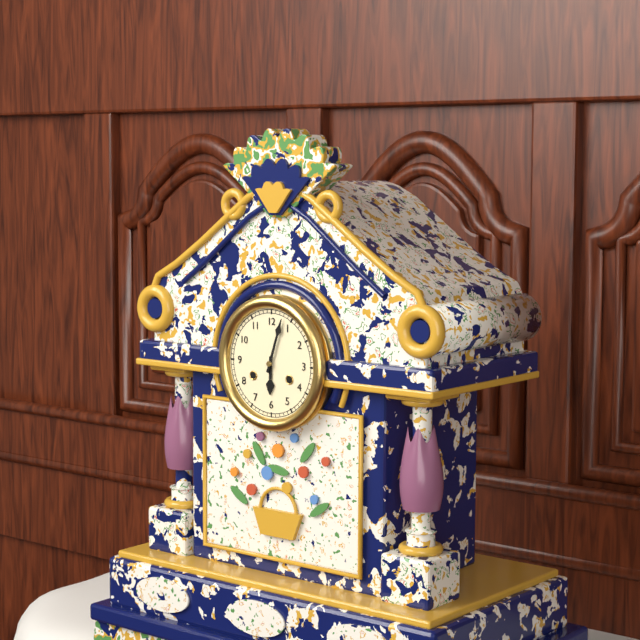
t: 6:03
